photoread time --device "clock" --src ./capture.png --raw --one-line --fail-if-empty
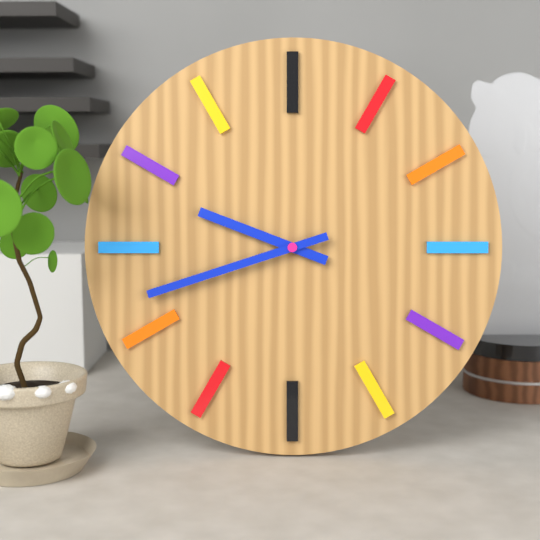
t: 9:42
